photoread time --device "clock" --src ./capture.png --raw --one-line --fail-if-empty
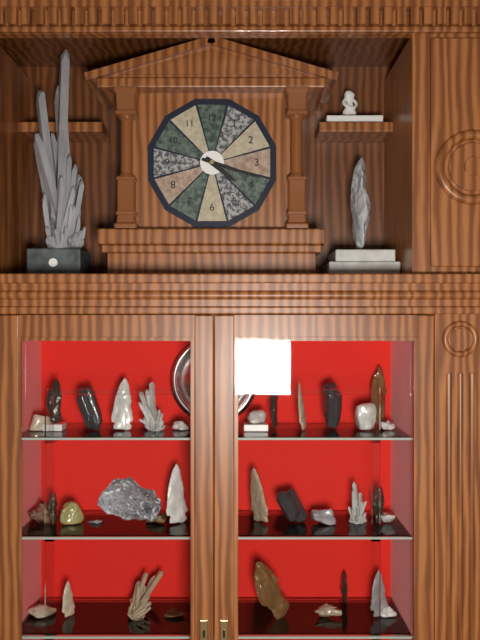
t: 4:18
